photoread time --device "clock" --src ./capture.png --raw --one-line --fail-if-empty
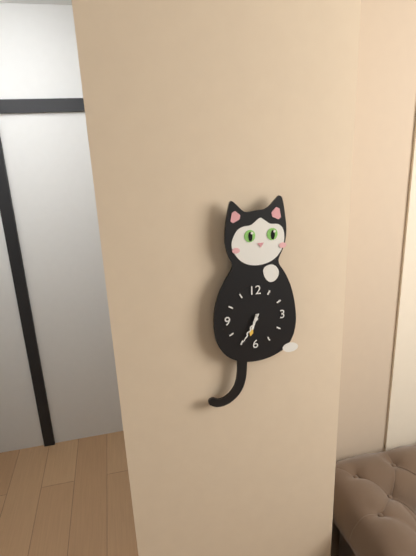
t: 6:35
